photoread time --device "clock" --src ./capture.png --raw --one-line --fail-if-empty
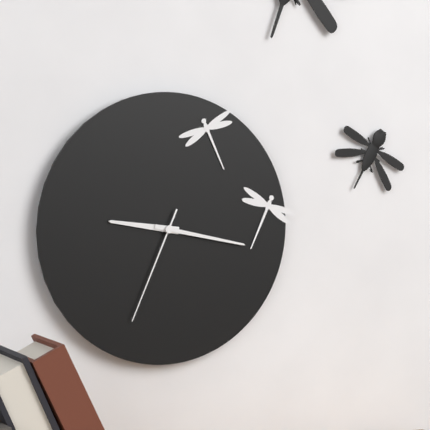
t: 9:17:34
